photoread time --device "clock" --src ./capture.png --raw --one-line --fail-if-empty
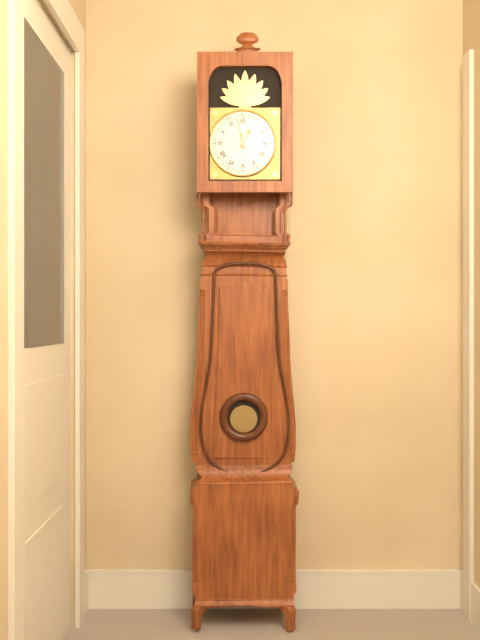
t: 12:58
